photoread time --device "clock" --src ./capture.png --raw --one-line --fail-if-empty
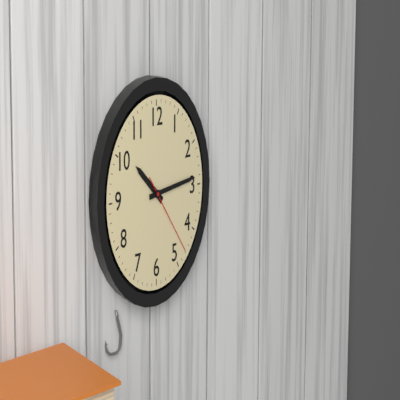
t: 10:14:23
